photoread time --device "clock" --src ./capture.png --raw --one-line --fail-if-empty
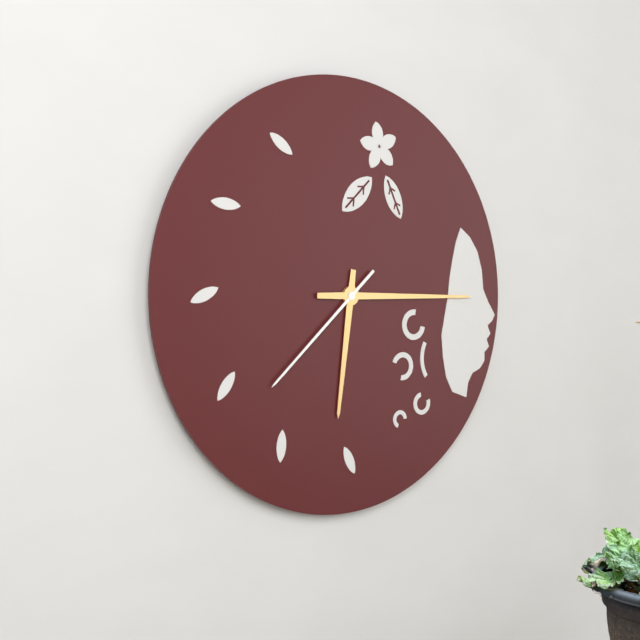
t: 6:15:38
